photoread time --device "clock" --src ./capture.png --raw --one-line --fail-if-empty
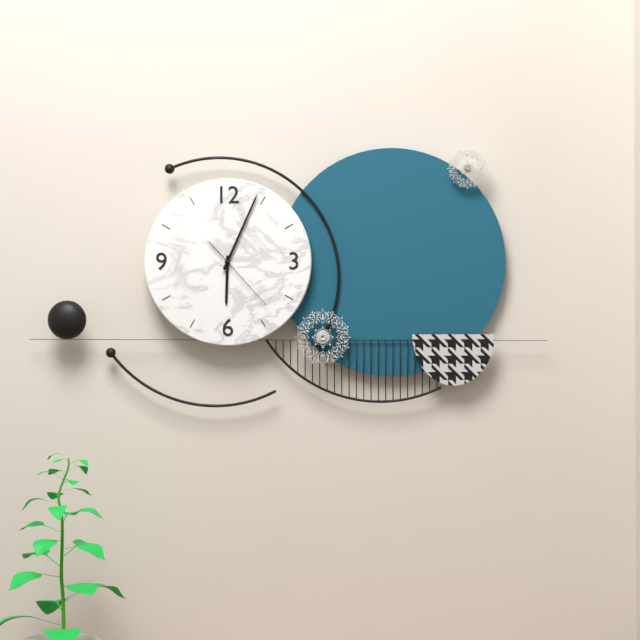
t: 6:04:23
